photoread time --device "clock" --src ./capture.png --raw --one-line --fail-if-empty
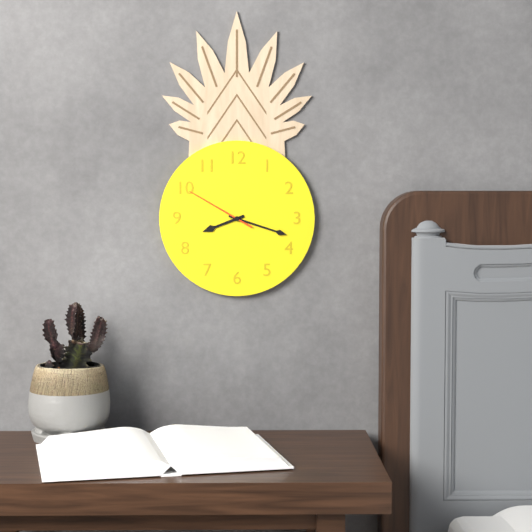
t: 8:18:50
